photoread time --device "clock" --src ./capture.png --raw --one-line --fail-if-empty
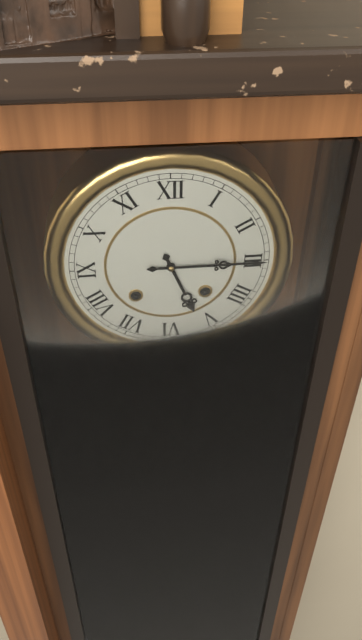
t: 5:15
